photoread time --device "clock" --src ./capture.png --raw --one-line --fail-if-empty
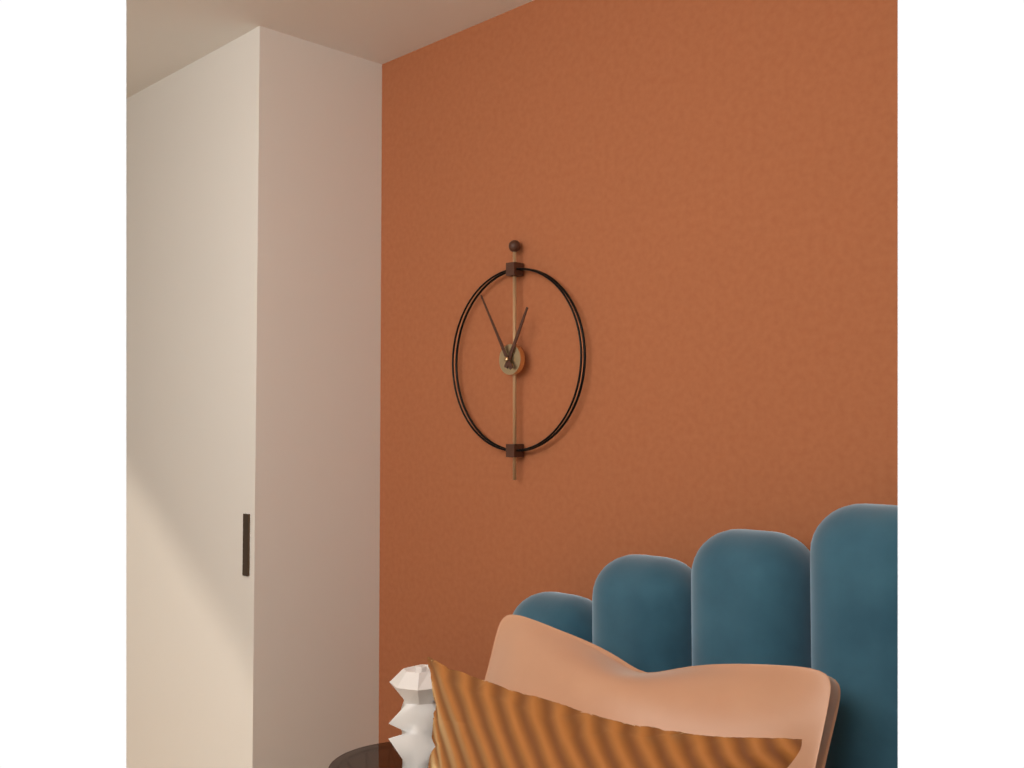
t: 12:55
